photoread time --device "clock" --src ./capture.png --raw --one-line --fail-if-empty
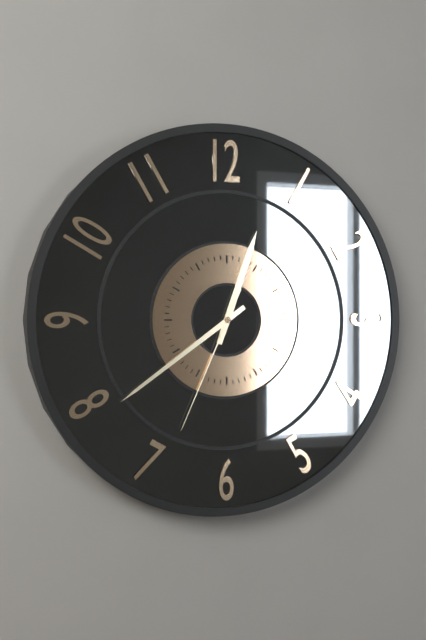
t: 12:39:34
